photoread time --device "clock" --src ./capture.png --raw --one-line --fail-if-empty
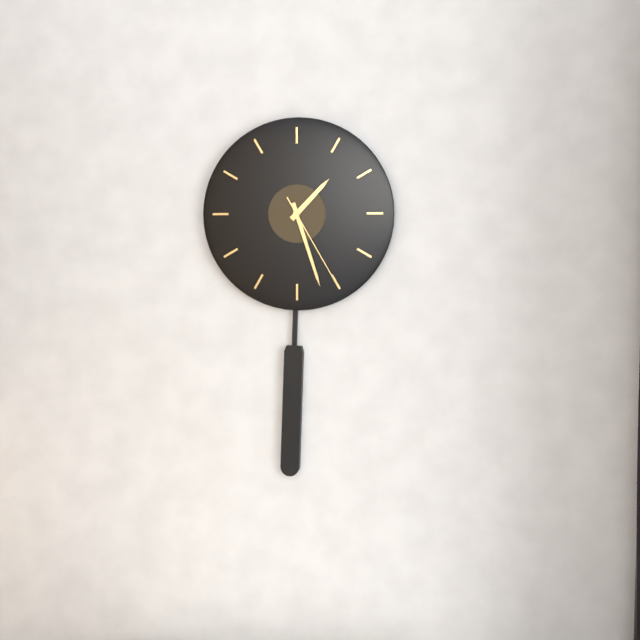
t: 1:27:25
